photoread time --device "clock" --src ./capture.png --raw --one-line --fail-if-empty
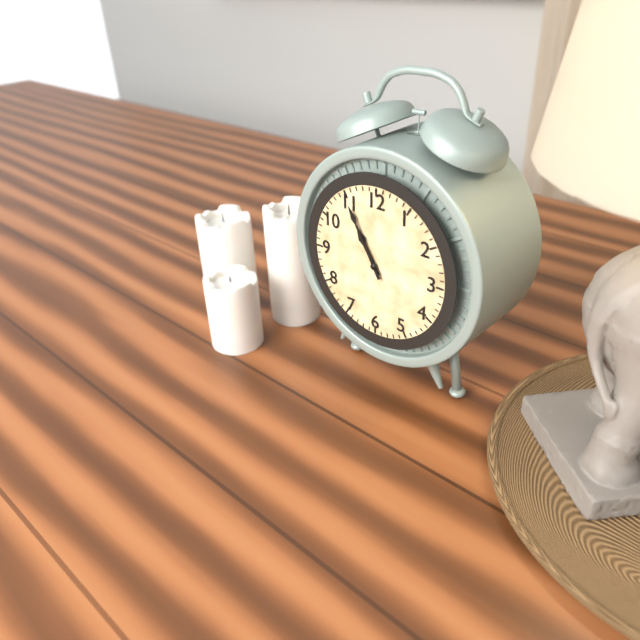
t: 10:55
